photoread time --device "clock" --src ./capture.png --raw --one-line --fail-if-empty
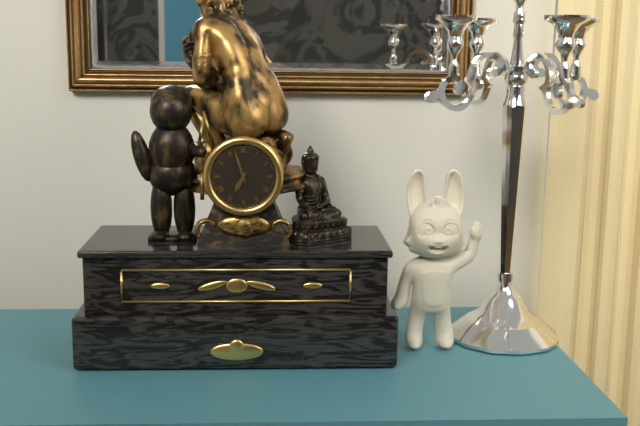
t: 6:57
